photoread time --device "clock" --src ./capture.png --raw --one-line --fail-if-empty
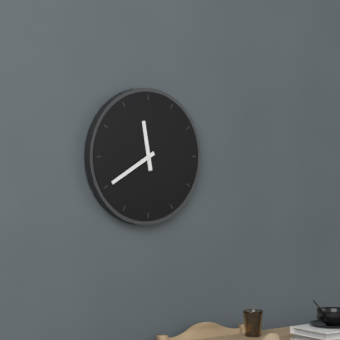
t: 11:40
